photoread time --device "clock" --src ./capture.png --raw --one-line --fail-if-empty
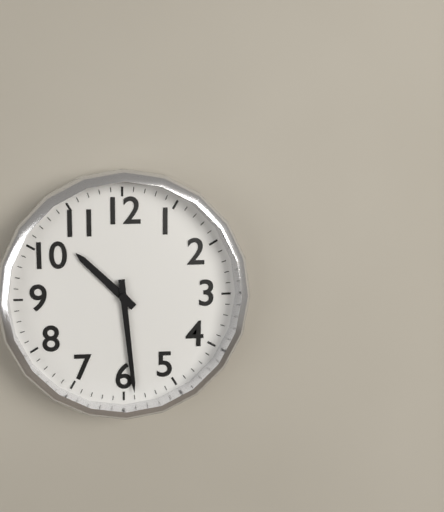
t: 10:29
